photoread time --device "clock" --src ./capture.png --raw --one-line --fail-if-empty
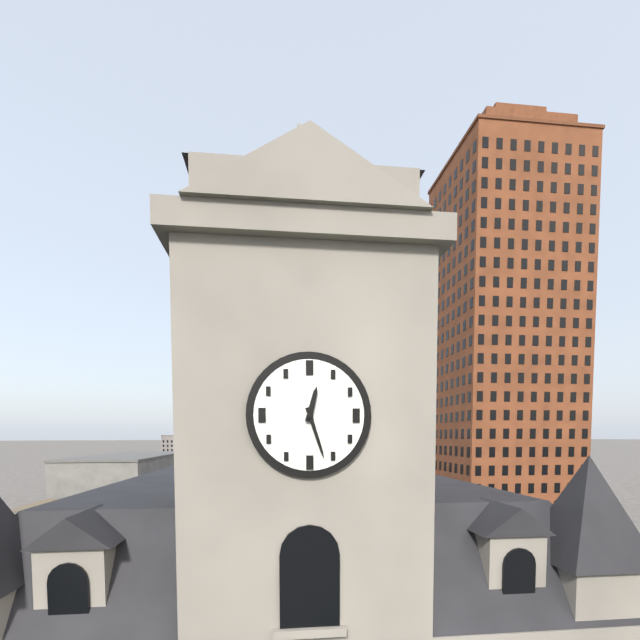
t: 12:27
